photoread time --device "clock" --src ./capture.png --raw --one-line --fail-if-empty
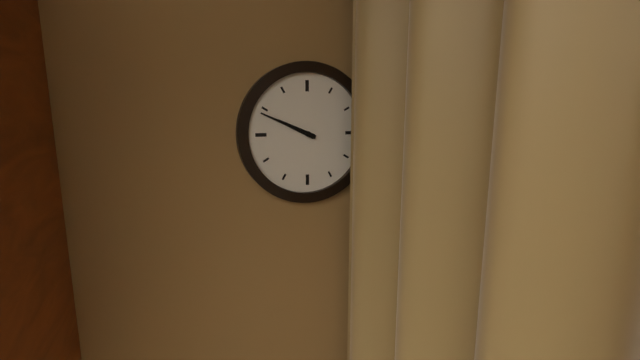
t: 9:49
